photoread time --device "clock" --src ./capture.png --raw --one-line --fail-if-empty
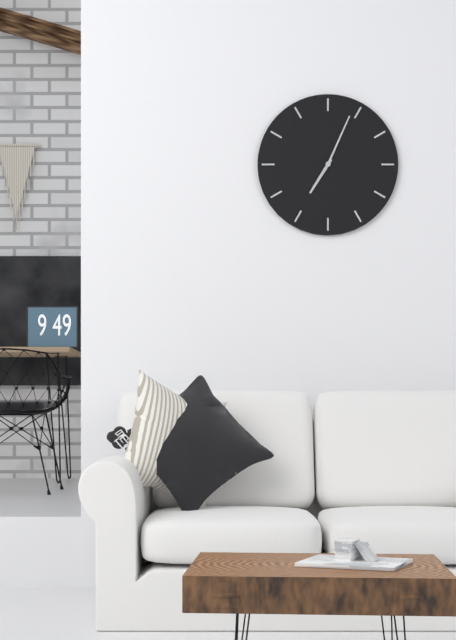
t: 7:04
